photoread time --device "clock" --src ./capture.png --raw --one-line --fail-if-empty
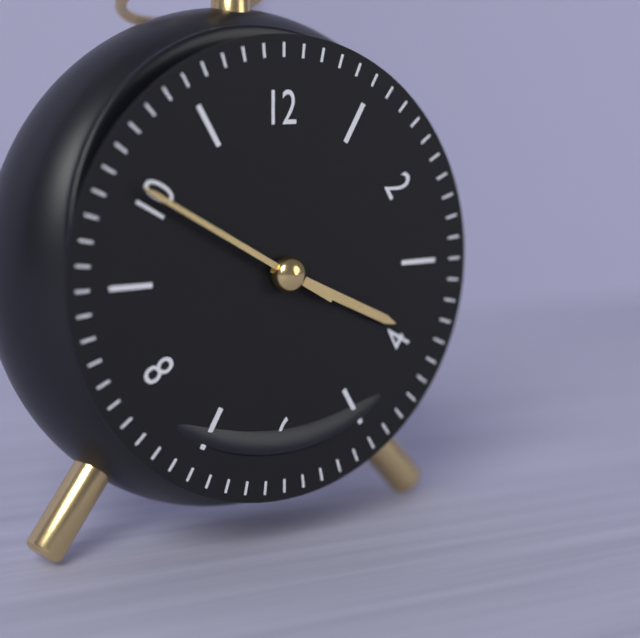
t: 3:50
